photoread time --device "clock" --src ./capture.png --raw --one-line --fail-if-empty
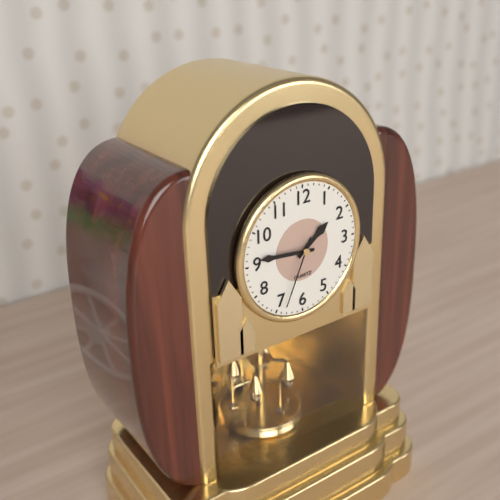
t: 1:46:34
